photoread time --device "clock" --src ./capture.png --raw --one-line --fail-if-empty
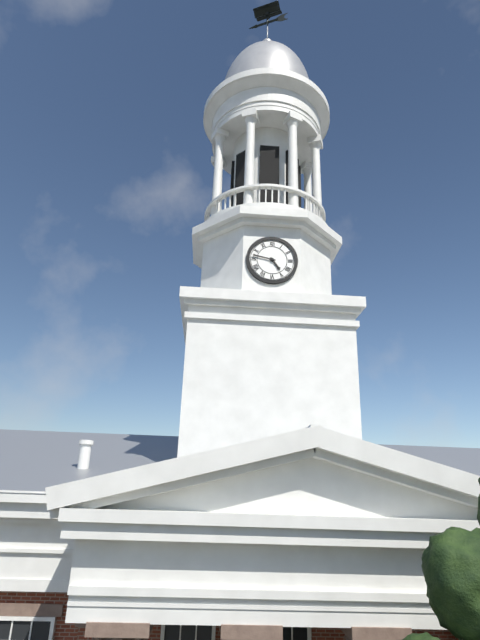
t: 4:47
